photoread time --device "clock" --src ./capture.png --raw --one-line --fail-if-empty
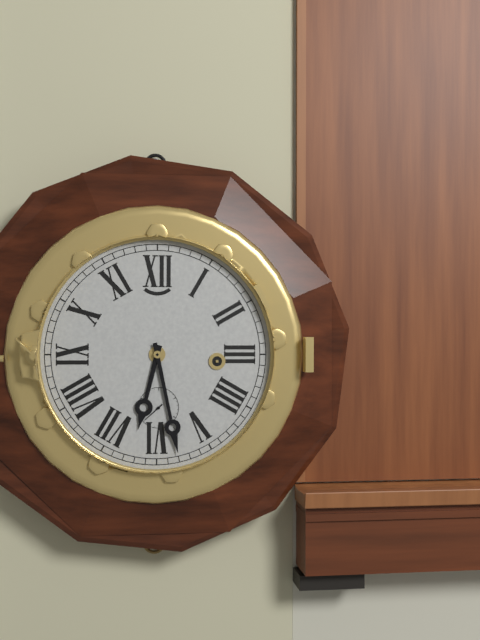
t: 6:28
